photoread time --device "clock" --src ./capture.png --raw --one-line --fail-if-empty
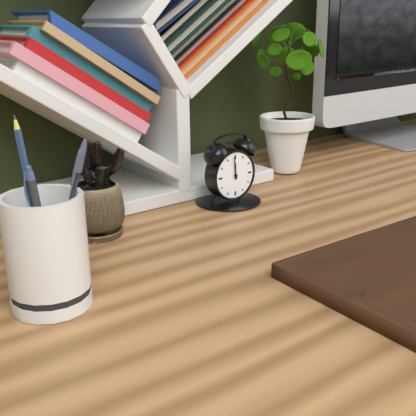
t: 11:59
